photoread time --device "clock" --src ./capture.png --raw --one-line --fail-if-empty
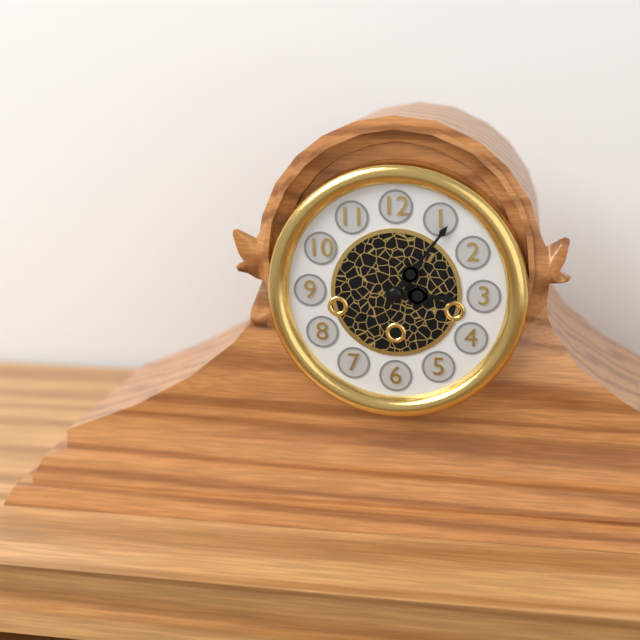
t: 3:06
